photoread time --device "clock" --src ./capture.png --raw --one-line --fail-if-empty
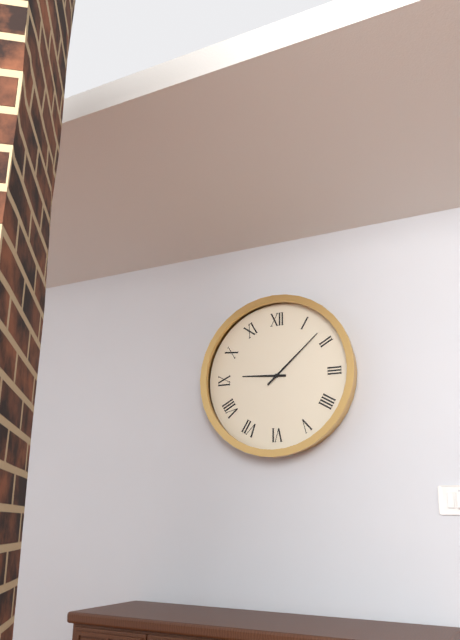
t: 9:08
